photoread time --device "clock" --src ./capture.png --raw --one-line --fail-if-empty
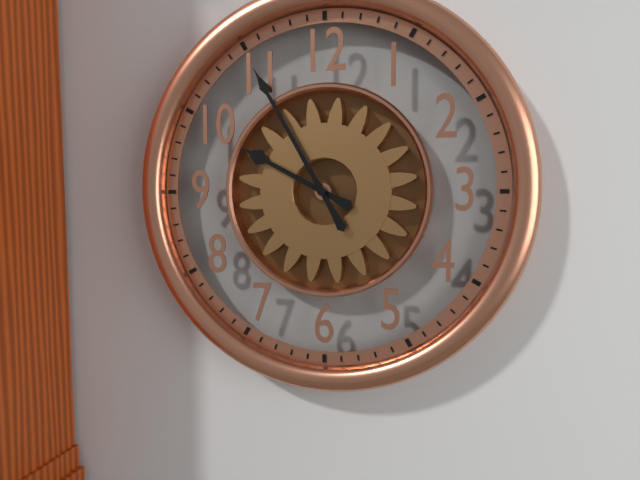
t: 9:55
